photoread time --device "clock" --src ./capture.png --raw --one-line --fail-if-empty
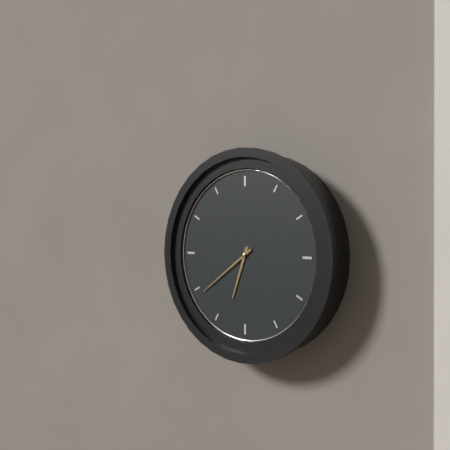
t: 6:39
